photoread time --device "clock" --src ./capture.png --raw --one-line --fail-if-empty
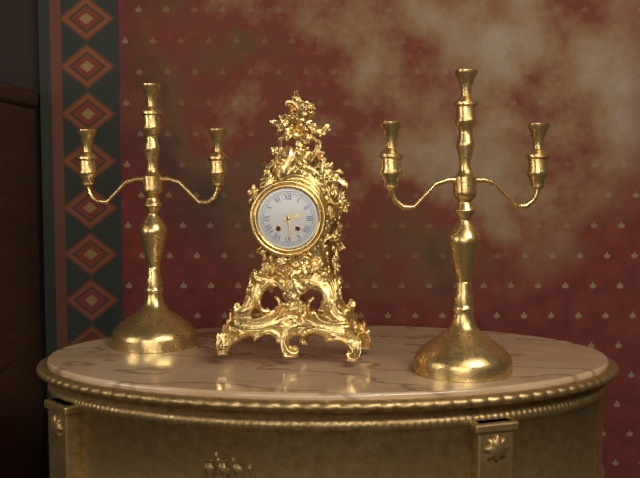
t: 2:29
